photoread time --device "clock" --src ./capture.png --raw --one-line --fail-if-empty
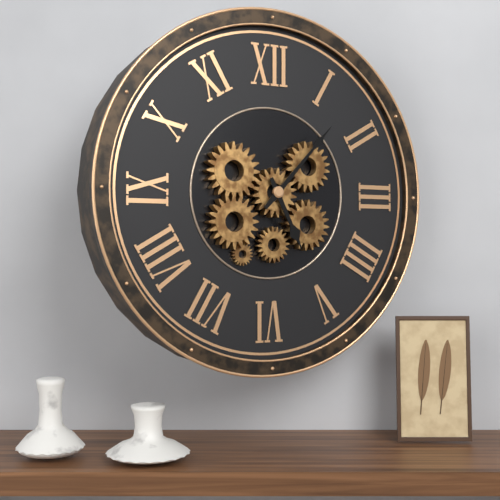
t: 5:07
